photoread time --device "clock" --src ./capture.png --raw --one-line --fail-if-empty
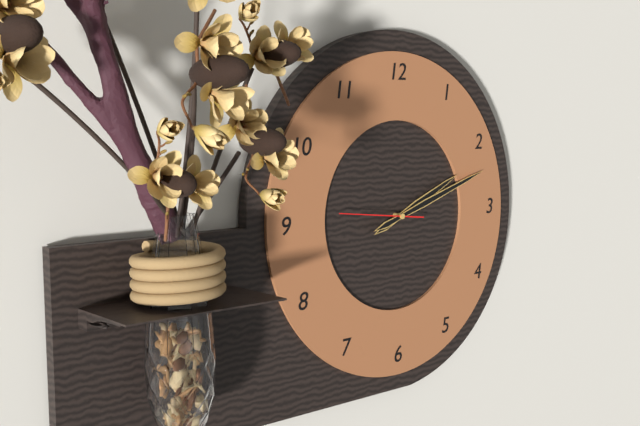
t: 2:12:46
